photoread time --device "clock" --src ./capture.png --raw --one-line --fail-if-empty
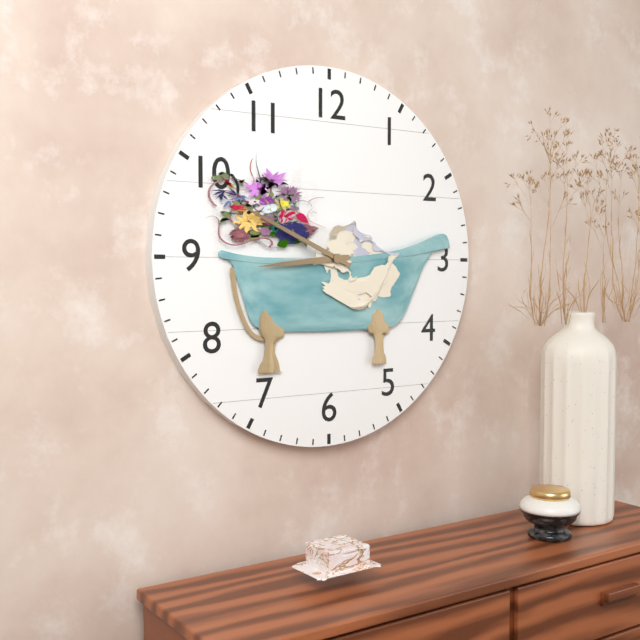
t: 8:49
